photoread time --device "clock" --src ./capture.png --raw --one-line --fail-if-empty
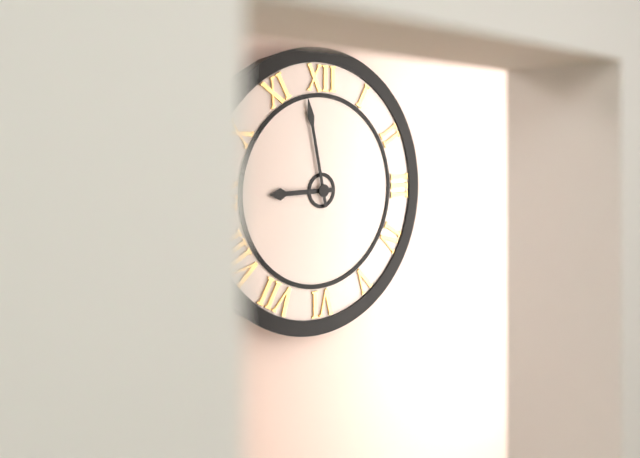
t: 8:58
